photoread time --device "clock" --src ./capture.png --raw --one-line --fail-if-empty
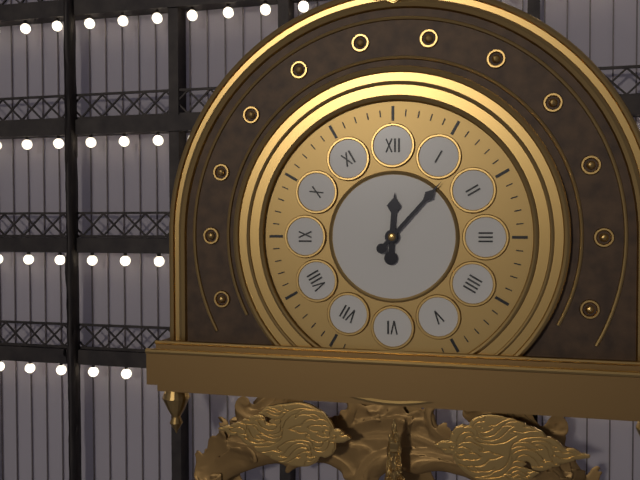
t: 12:07
